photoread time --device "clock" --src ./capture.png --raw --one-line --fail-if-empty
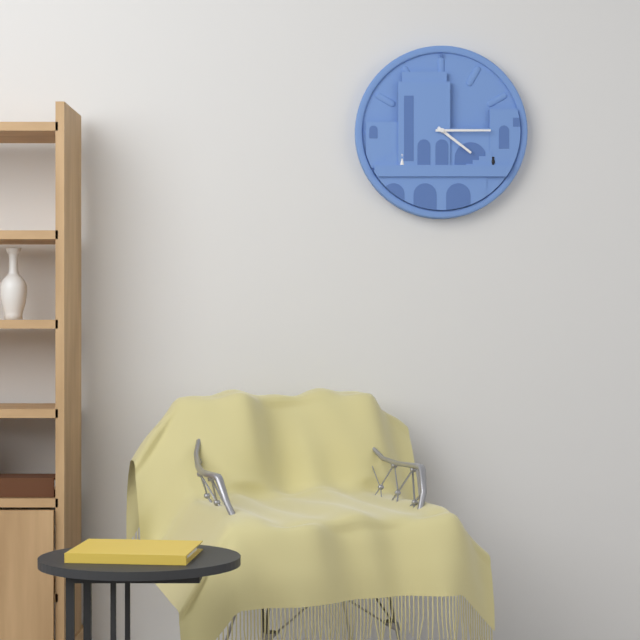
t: 4:15
